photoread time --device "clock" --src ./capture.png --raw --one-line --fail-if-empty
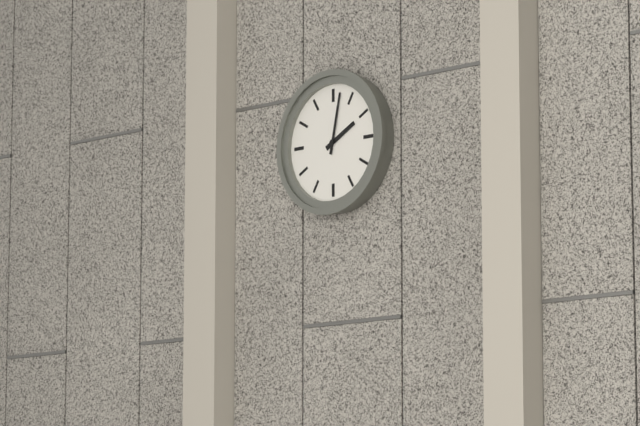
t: 2:02
